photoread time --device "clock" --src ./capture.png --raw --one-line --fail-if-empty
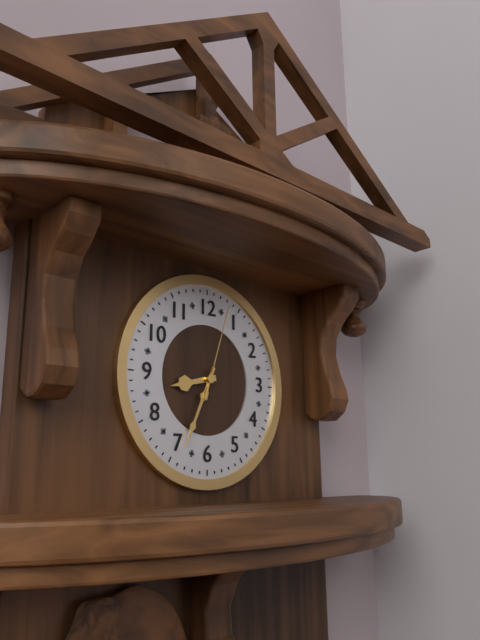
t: 8:34:03
